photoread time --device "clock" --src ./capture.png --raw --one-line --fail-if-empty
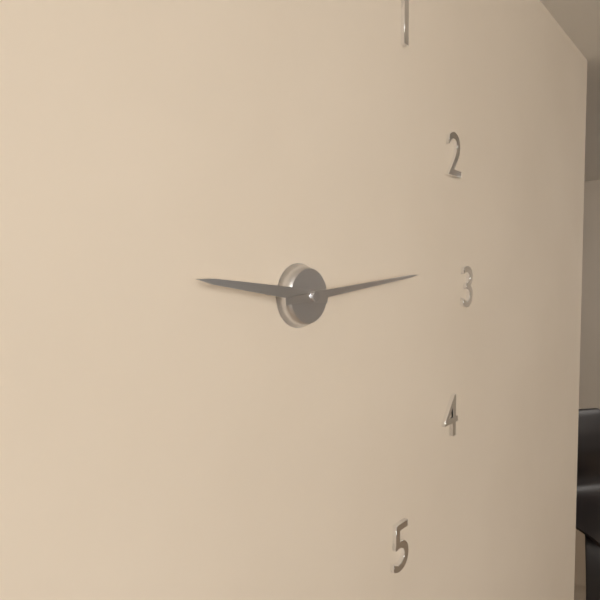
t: 9:14
